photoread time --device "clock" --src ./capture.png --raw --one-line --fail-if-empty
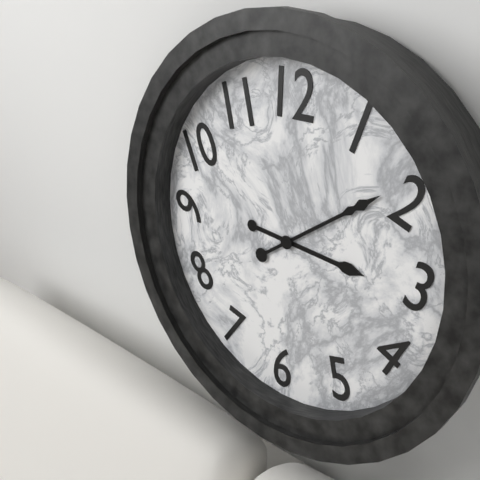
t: 3:09
